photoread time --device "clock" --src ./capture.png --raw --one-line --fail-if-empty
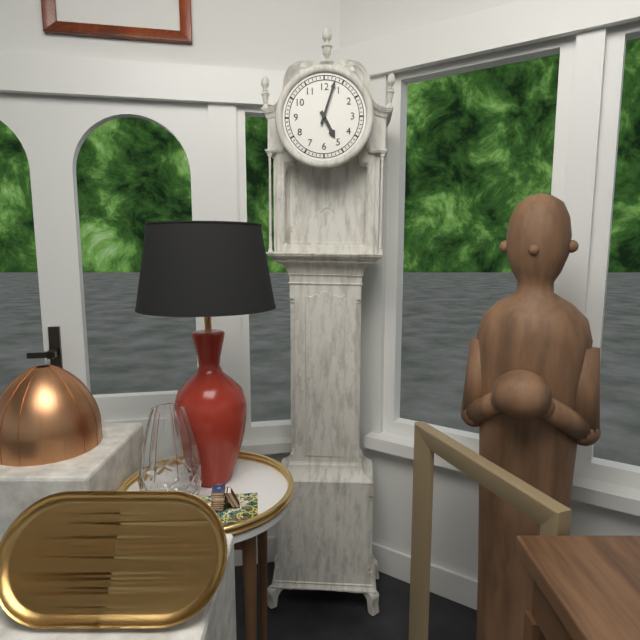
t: 5:03
